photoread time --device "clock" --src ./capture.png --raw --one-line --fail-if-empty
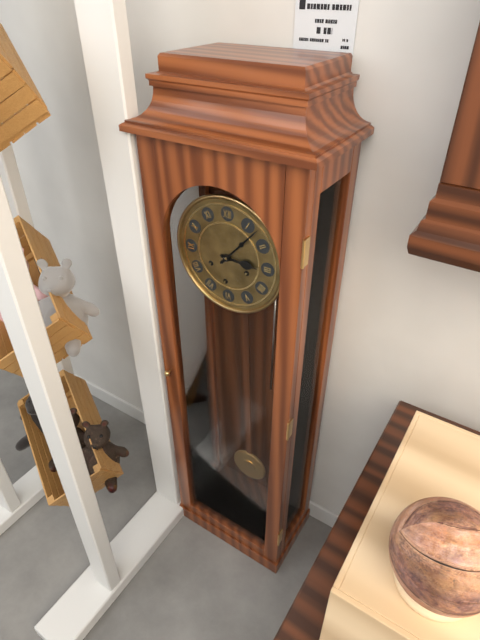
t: 3:07
